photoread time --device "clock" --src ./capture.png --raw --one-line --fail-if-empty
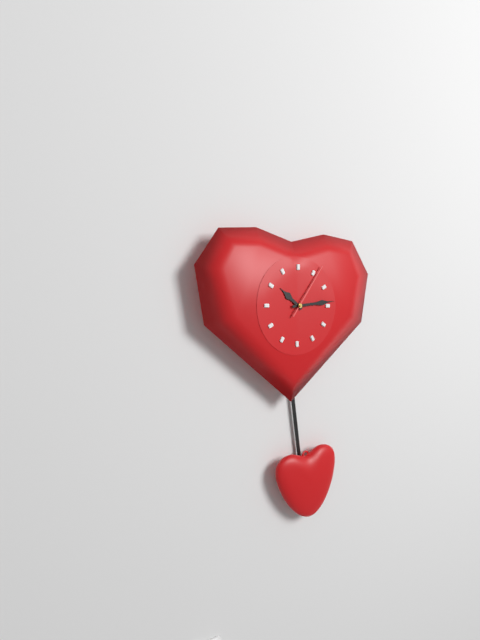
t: 10:14:06
